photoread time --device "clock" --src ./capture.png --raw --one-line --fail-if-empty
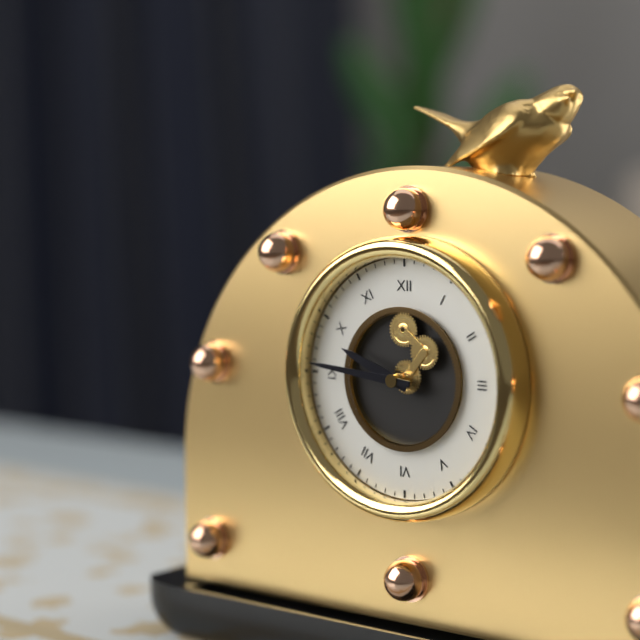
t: 9:46
